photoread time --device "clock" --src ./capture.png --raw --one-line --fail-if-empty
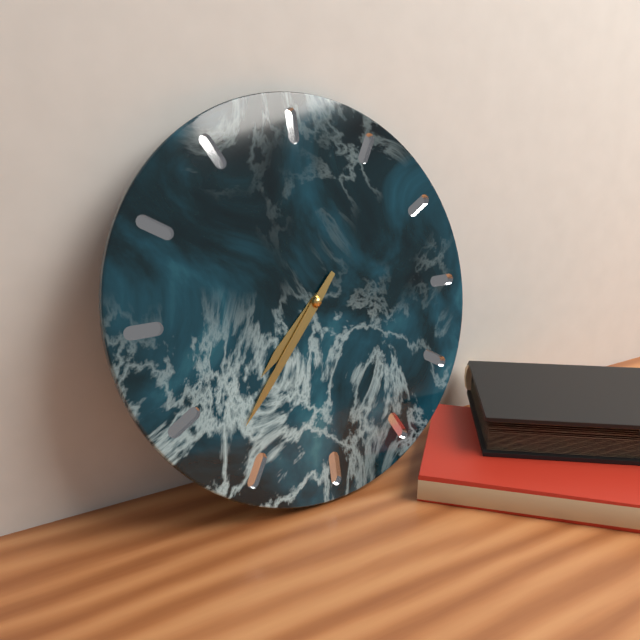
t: 7:37
